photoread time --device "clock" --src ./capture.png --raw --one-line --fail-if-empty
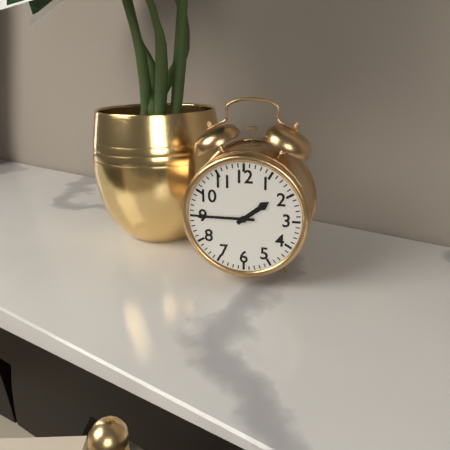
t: 1:45
